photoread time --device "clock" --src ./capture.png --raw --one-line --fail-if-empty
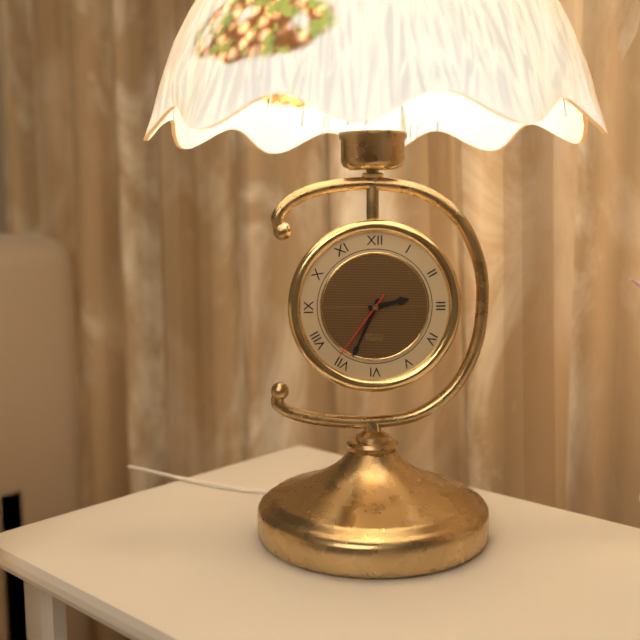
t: 2:34:36
